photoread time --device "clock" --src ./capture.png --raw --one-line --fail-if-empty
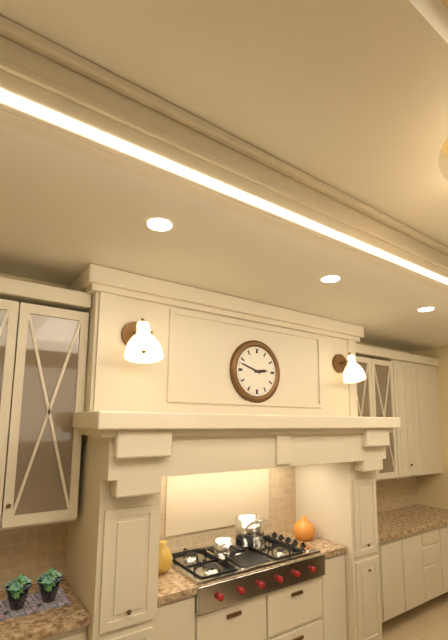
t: 2:48
